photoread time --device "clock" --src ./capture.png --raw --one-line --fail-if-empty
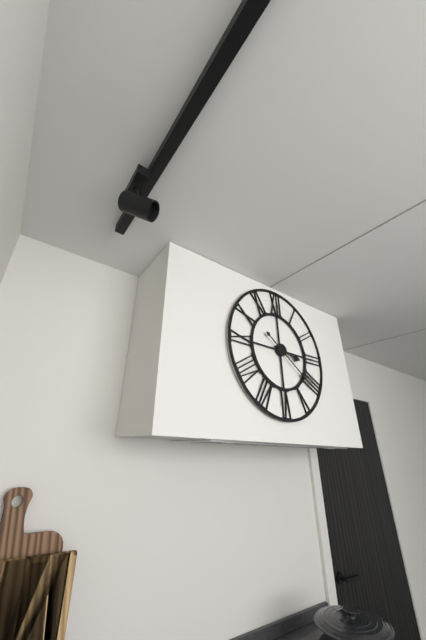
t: 3:21
